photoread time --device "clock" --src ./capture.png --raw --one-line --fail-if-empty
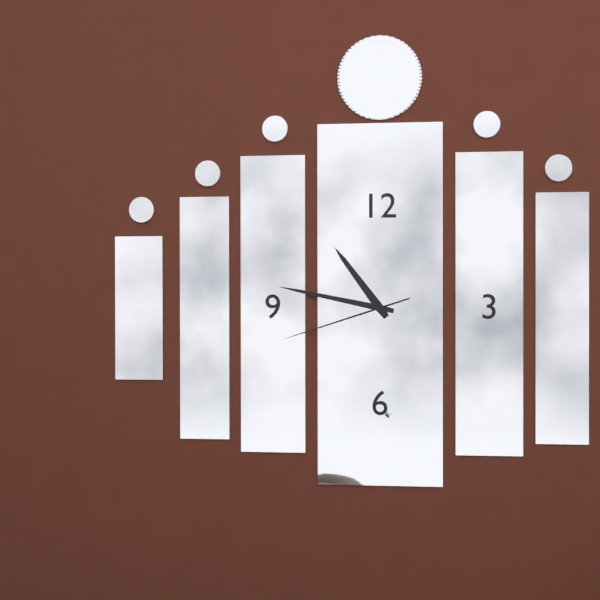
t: 10:47:42
